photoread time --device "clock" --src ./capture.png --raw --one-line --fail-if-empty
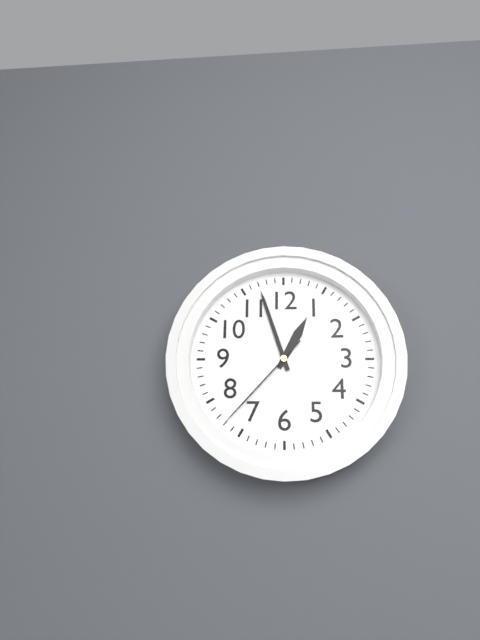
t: 12:57:37
